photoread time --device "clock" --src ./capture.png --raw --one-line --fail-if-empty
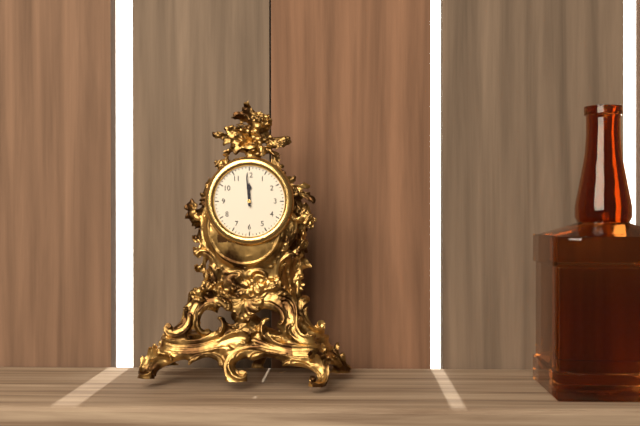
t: 11:59
